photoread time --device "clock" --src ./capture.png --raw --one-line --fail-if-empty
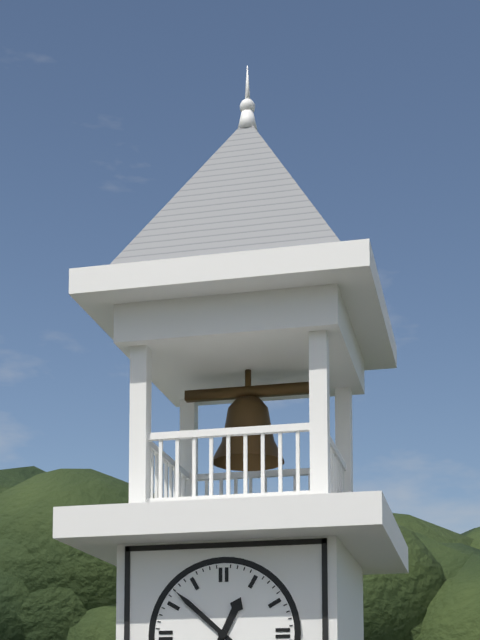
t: 12:52
